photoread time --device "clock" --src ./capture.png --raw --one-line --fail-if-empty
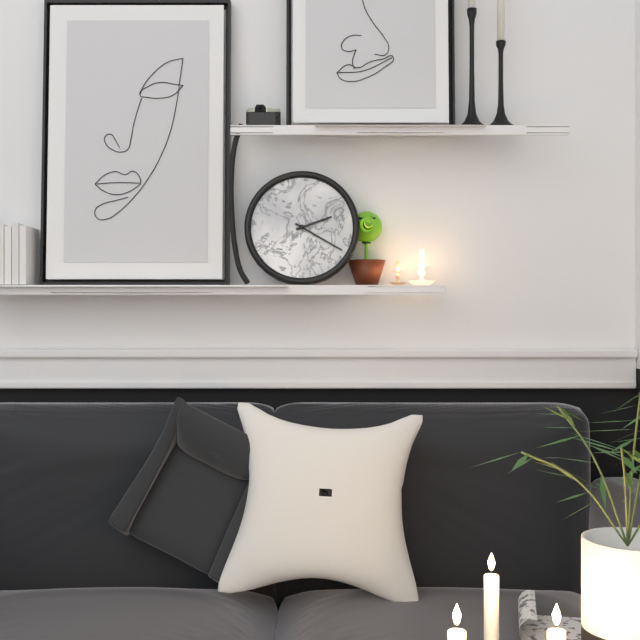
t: 2:20
